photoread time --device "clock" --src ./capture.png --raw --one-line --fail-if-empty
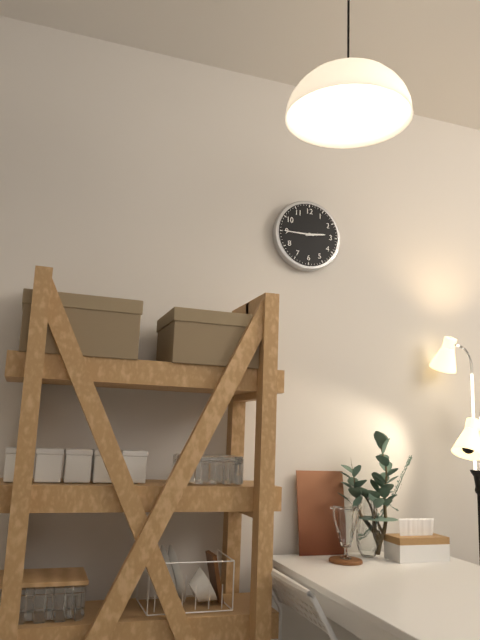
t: 2:45
